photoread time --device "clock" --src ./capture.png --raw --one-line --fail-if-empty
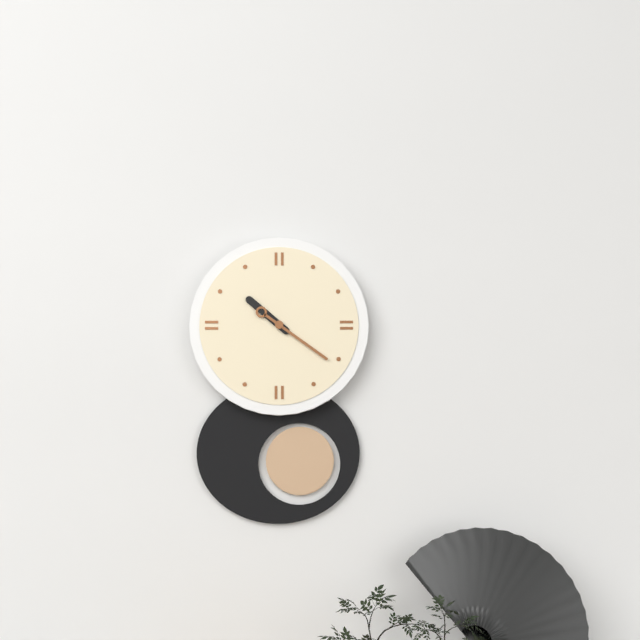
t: 10:21
